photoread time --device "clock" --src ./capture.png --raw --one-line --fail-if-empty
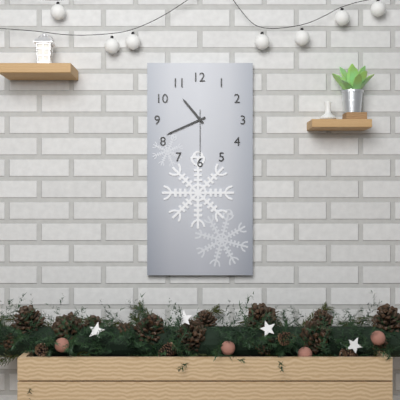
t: 10:41
